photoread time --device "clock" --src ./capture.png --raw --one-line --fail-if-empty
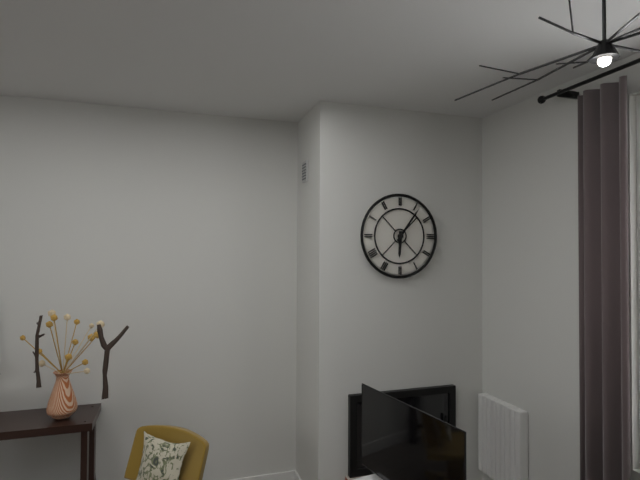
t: 6:06
